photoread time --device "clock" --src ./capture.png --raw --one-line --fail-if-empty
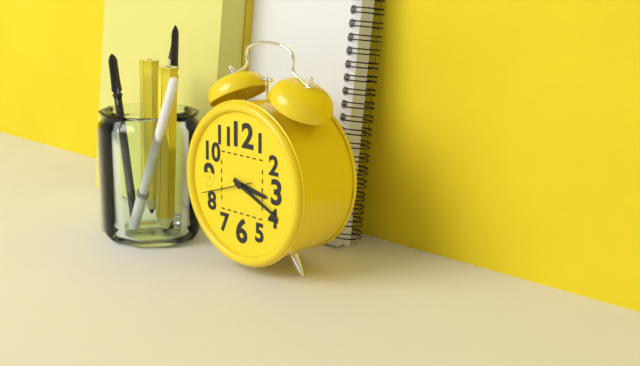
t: 3:19:42
